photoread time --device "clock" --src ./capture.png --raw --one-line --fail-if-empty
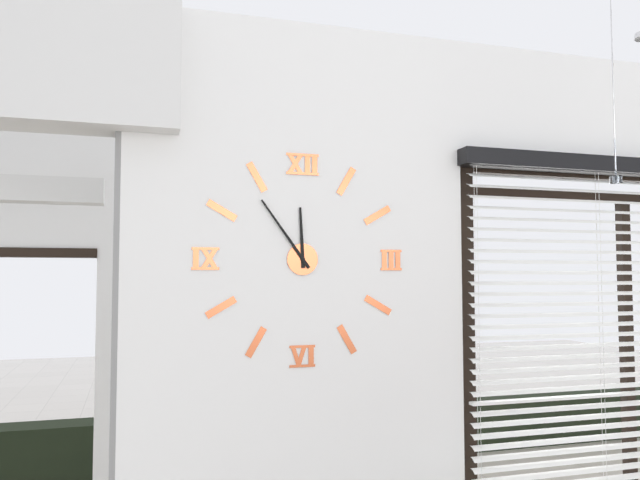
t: 11:54
